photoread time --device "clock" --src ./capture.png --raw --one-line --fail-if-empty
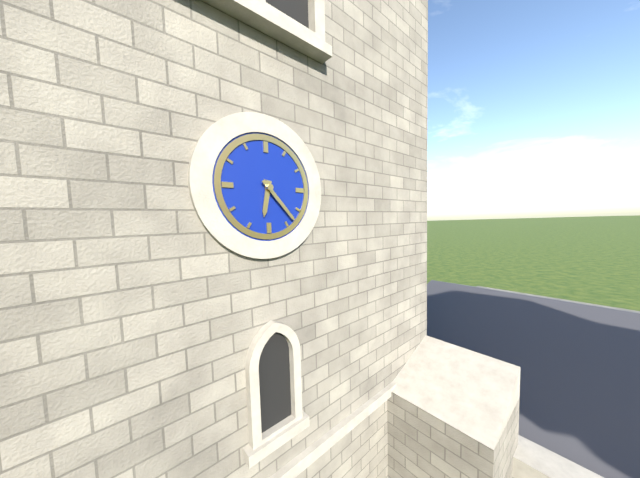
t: 6:23
